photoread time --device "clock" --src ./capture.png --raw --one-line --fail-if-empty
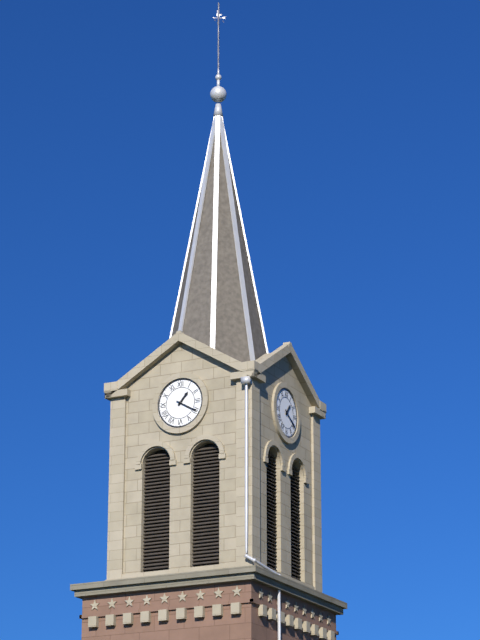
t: 1:20
